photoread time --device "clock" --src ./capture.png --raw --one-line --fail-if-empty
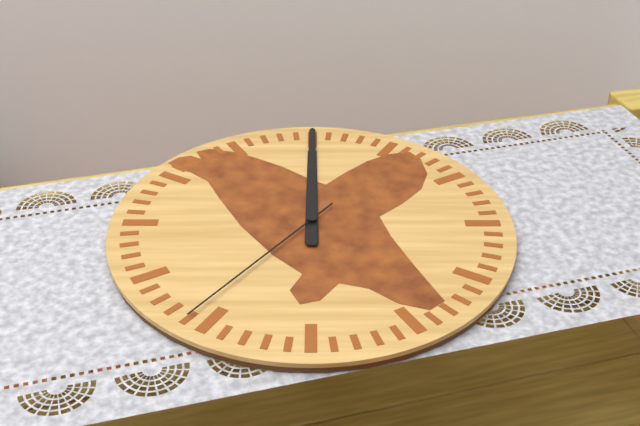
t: 12:00:36
